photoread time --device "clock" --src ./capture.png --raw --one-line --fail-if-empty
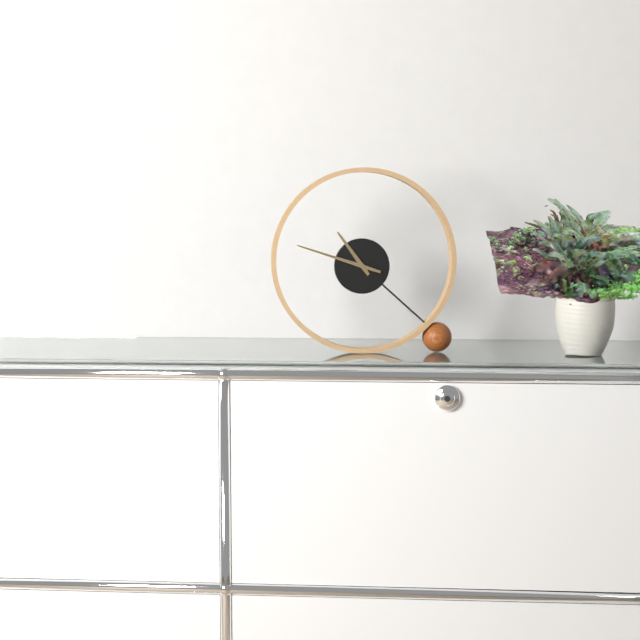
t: 10:48
